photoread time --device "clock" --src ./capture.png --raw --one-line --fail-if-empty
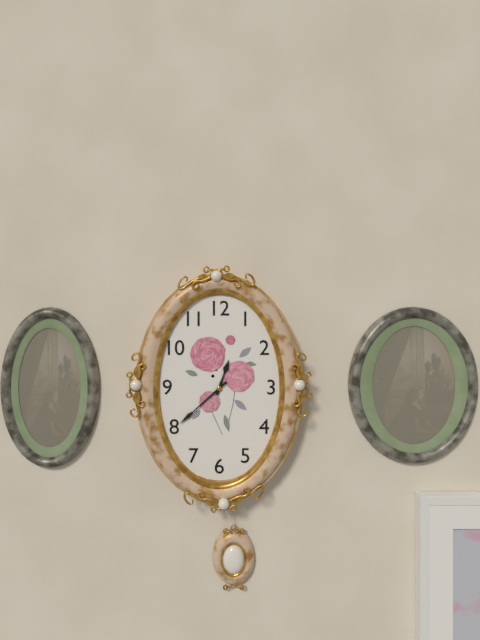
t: 12:38
